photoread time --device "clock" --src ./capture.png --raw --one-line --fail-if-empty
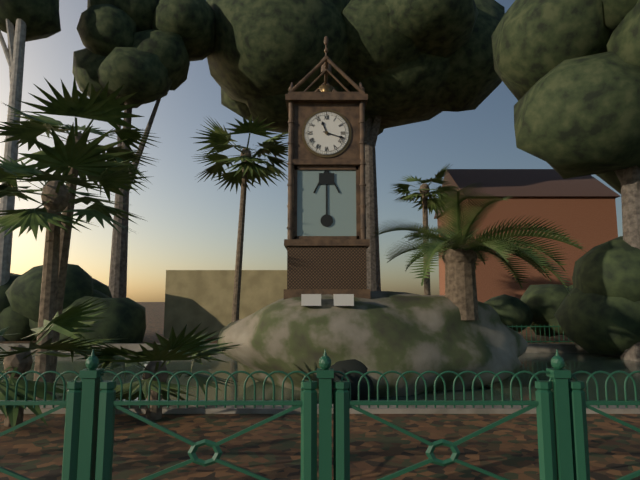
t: 11:18
